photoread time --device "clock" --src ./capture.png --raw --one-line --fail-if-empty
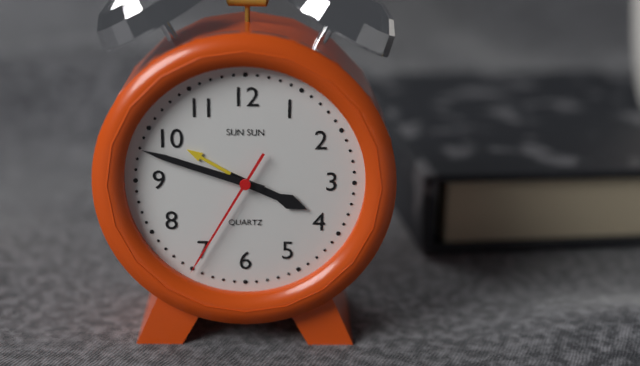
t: 3:48:35
